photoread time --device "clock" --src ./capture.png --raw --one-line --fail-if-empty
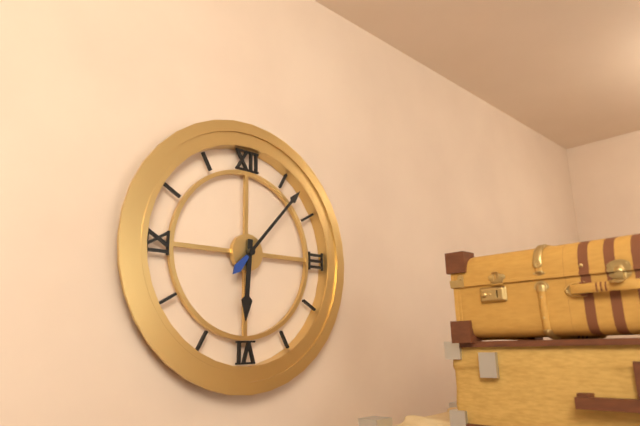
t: 6:07
